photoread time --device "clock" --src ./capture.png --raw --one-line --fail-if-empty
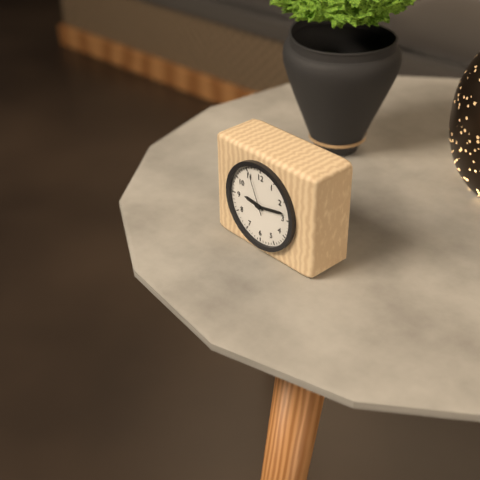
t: 9:13
